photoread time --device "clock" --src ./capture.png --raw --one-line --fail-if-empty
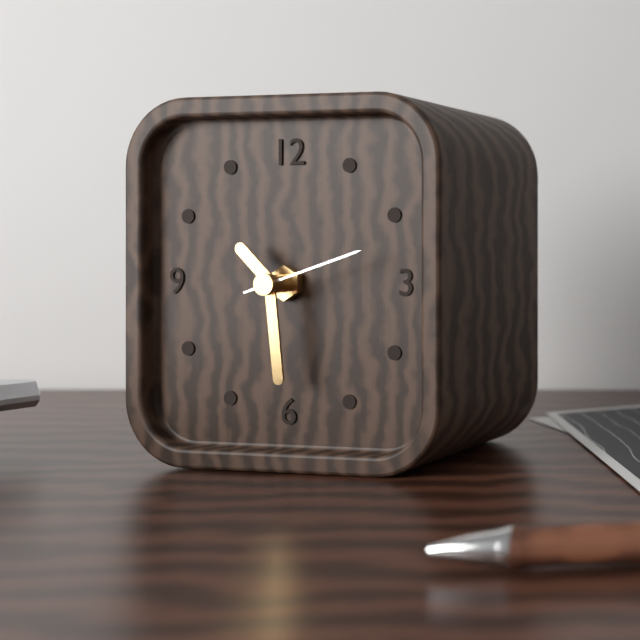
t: 10:29:12
